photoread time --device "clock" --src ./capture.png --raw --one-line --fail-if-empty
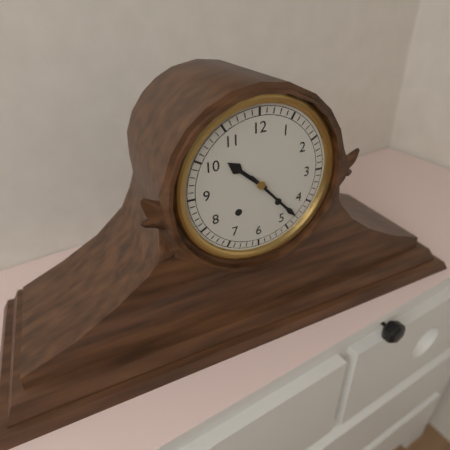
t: 10:23
